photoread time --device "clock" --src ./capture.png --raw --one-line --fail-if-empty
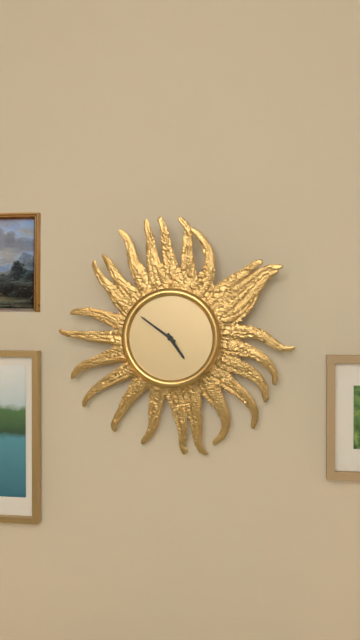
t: 4:51
